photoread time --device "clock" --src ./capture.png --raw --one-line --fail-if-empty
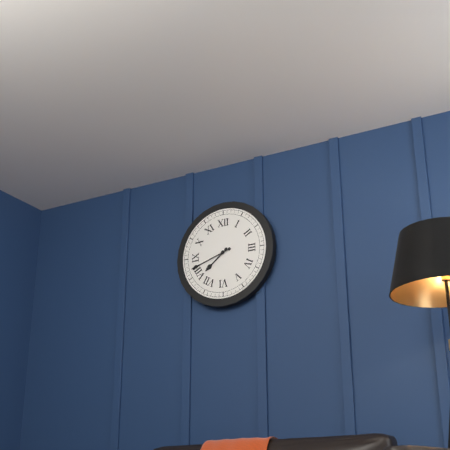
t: 7:42
